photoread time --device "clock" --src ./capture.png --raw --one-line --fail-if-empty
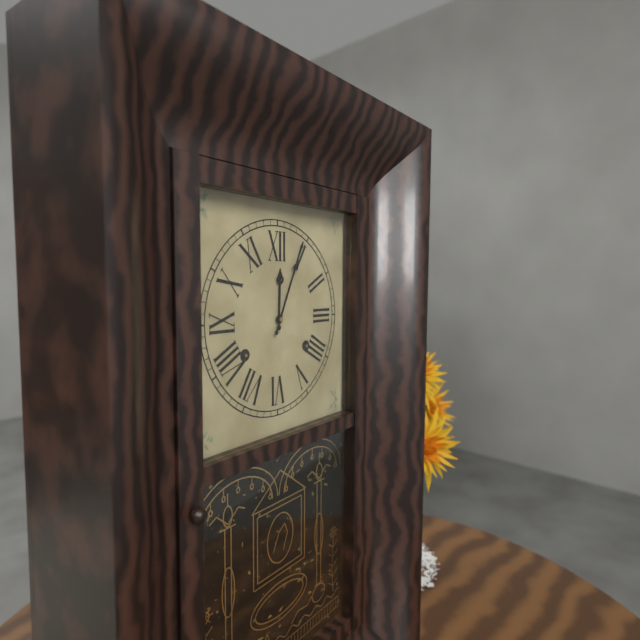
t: 12:04
